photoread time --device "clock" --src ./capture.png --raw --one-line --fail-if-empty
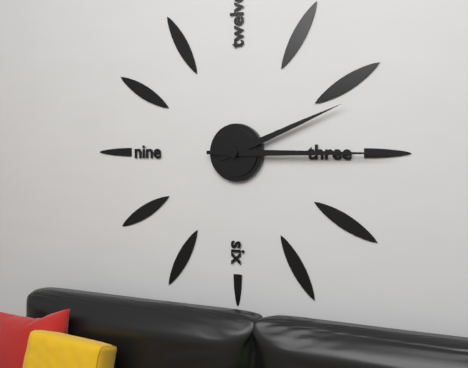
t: 2:15
